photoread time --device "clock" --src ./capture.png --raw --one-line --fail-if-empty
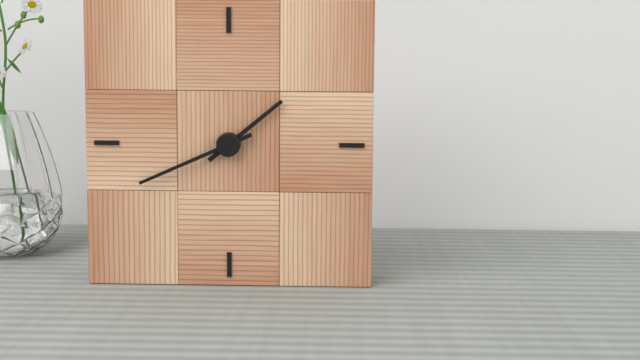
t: 1:41
